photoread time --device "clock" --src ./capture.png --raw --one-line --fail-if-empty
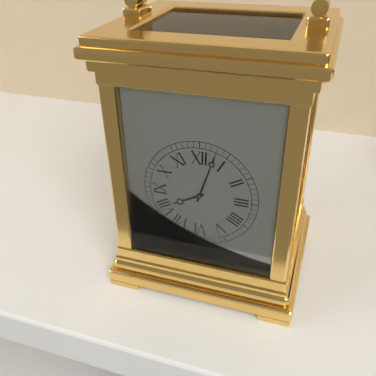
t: 8:03
